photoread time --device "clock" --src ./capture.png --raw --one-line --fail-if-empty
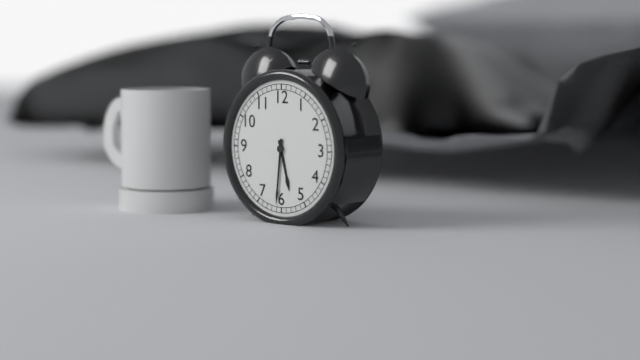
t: 5:31
